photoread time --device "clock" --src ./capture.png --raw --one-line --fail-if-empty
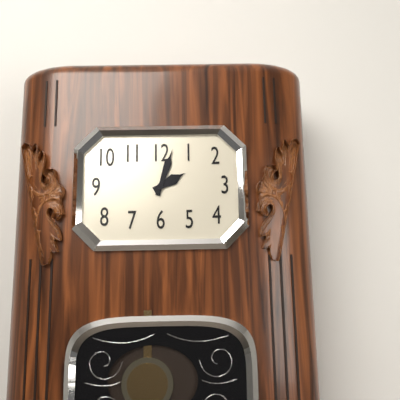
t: 2:03
